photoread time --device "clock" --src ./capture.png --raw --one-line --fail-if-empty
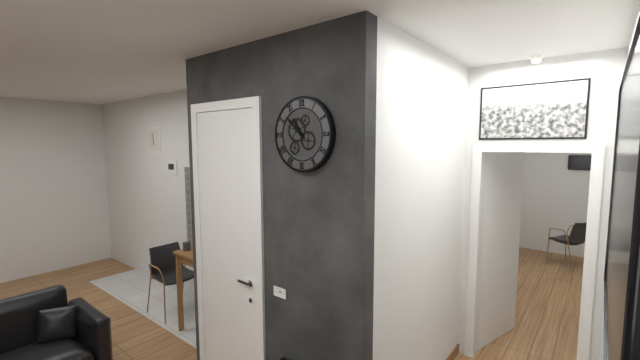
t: 10:52
